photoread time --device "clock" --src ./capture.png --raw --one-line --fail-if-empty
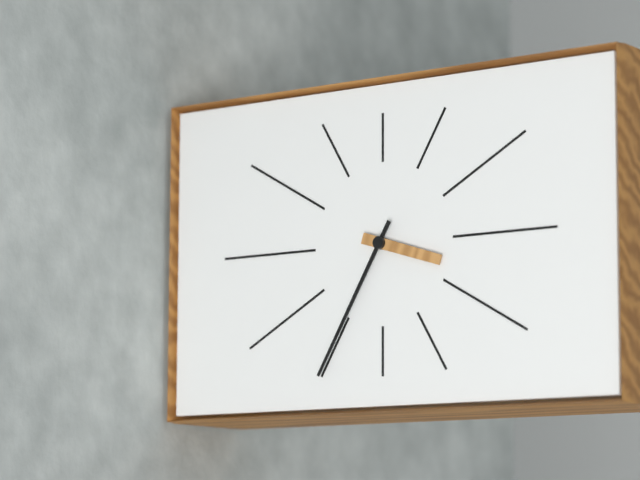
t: 3:35
